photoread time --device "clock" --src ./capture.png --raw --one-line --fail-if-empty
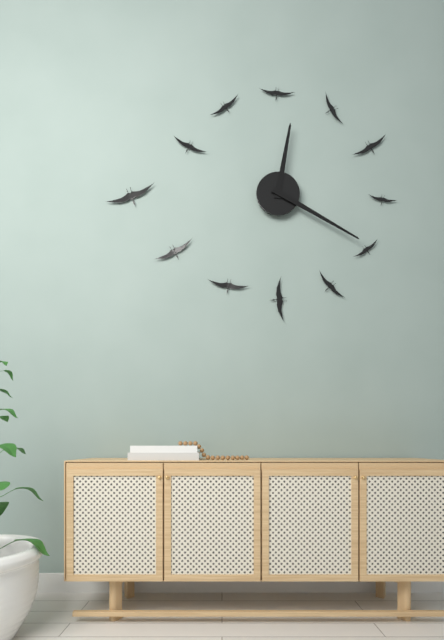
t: 12:20
